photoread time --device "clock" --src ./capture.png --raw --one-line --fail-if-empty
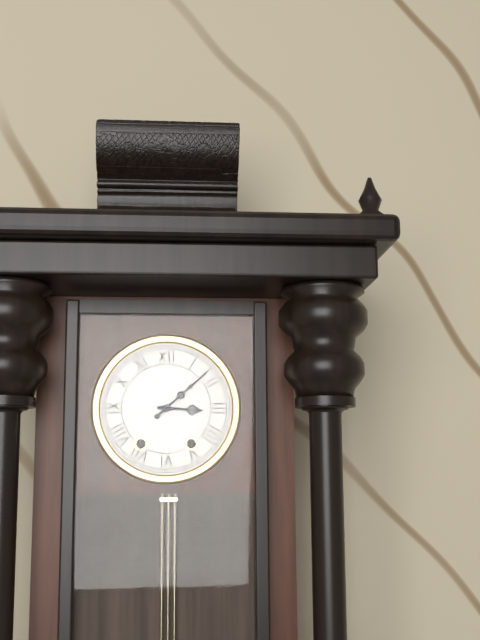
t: 3:08
